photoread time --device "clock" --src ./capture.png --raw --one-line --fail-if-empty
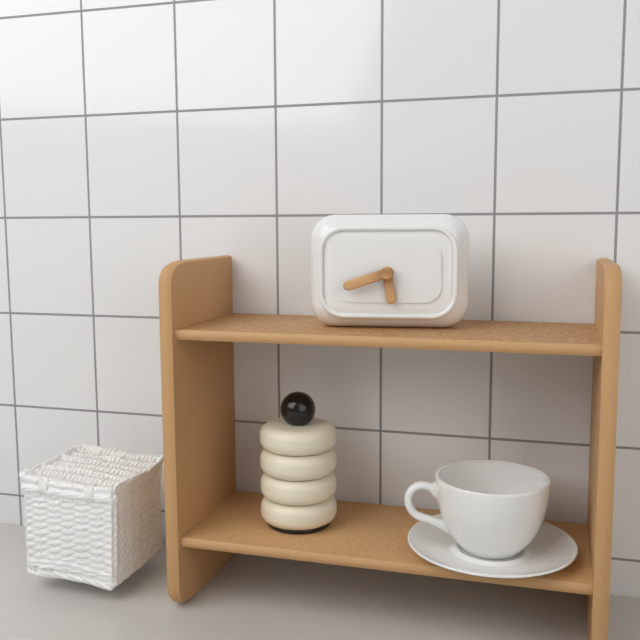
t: 5:42
